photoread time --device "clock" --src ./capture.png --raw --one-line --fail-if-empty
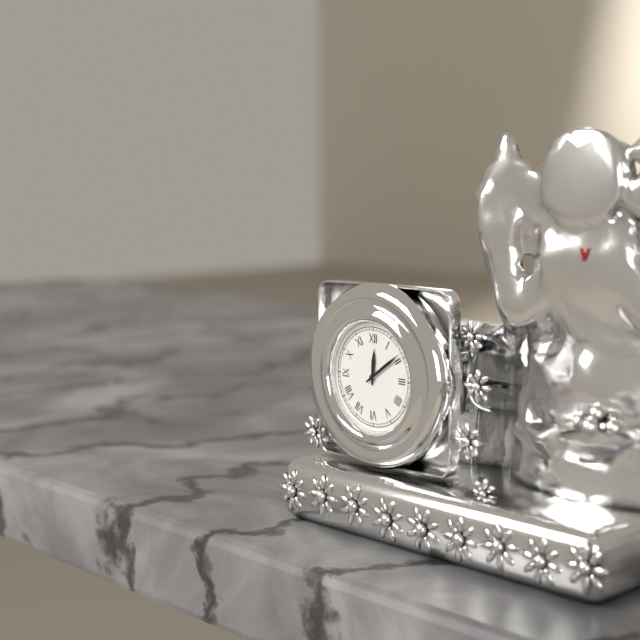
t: 12:09
